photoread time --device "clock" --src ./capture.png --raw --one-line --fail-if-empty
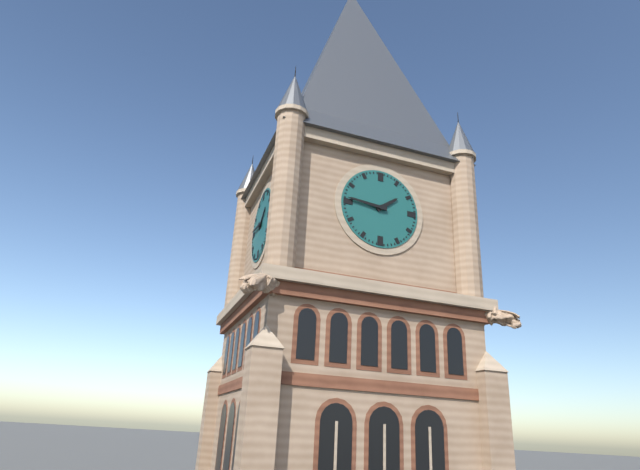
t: 1:46
